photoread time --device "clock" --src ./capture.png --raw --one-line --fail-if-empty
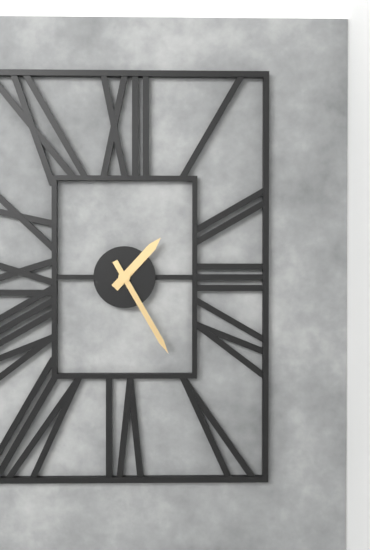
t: 1:25
